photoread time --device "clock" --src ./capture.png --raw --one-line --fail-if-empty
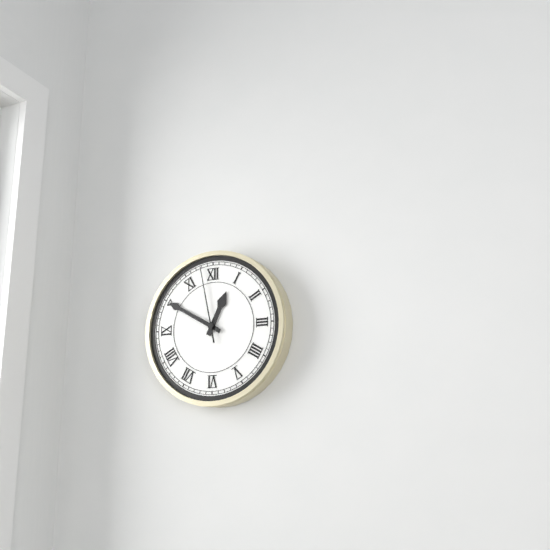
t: 12:50:58
